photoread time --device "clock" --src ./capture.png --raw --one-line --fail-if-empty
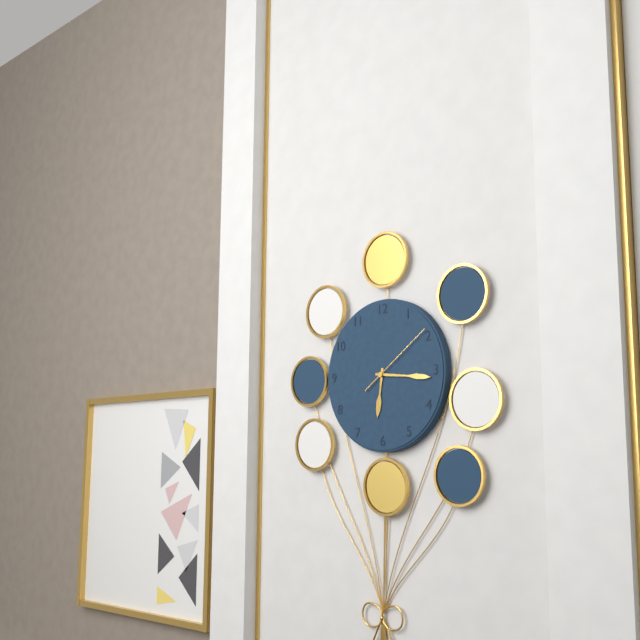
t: 6:16:09
